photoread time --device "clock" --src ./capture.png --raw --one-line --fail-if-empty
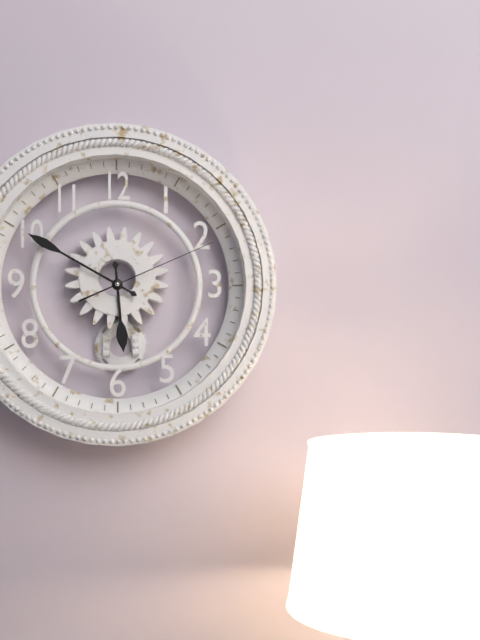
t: 5:50:11
